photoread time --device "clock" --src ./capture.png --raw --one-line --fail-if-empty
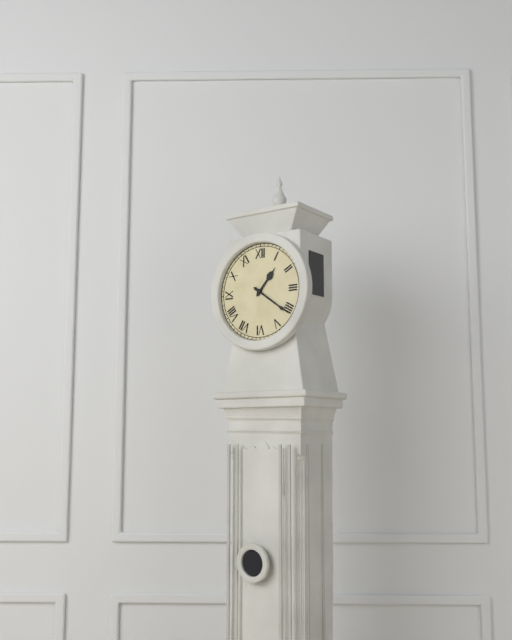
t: 1:21
